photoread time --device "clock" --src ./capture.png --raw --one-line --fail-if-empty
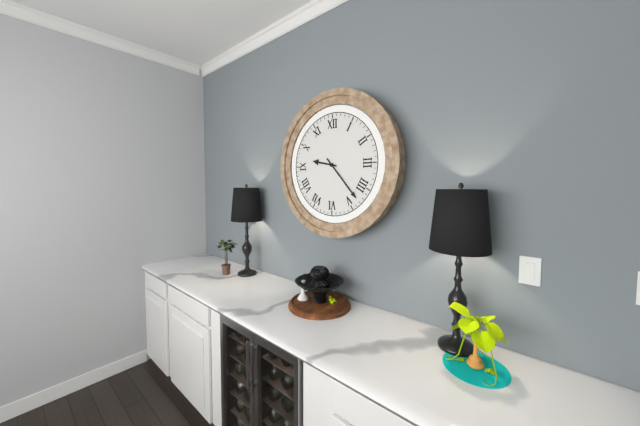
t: 9:23
